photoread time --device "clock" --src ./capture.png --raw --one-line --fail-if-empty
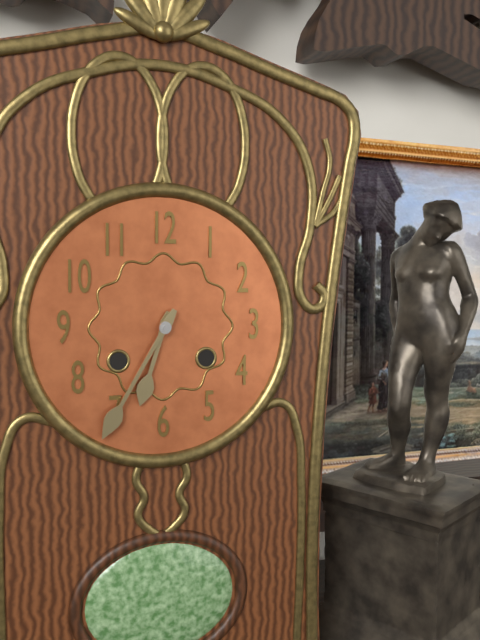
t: 6:35
